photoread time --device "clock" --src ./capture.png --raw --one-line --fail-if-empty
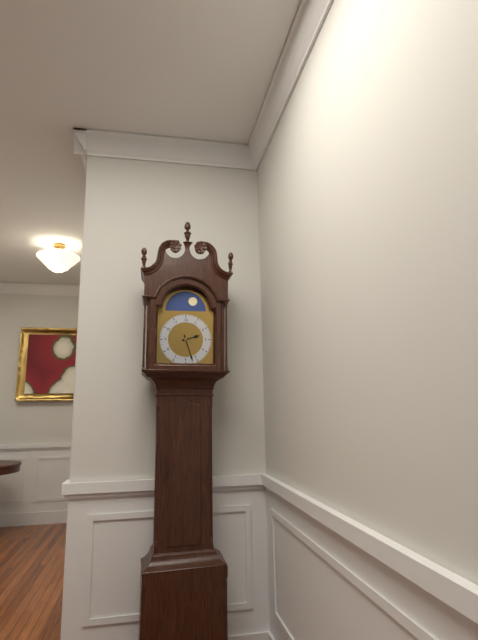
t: 2:27
